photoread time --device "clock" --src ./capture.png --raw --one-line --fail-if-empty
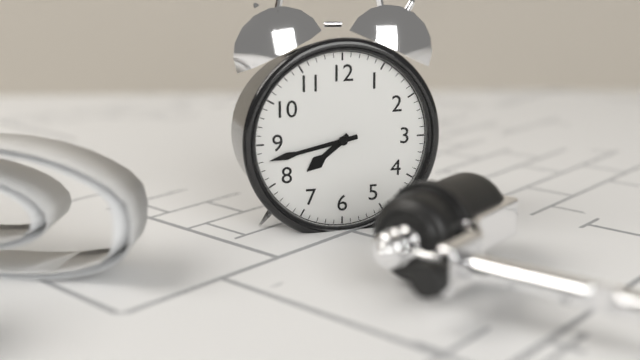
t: 7:43
